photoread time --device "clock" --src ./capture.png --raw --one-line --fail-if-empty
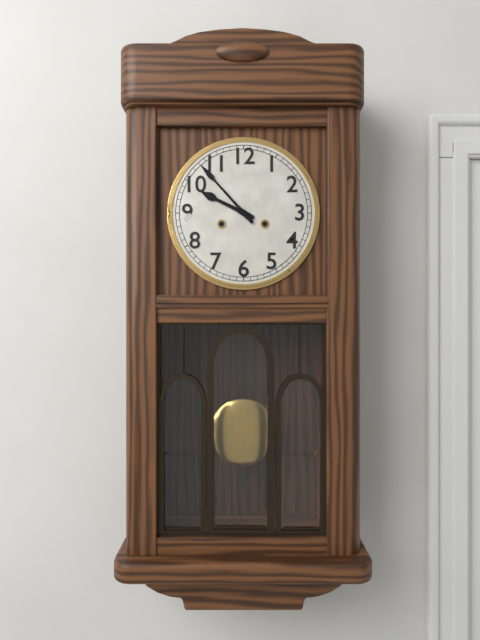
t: 9:53
